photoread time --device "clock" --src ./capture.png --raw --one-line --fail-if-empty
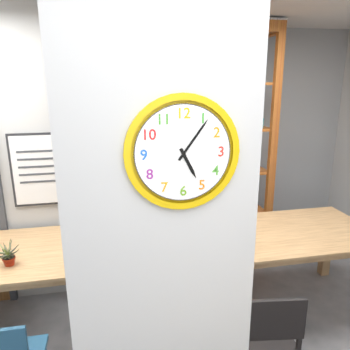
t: 5:06
